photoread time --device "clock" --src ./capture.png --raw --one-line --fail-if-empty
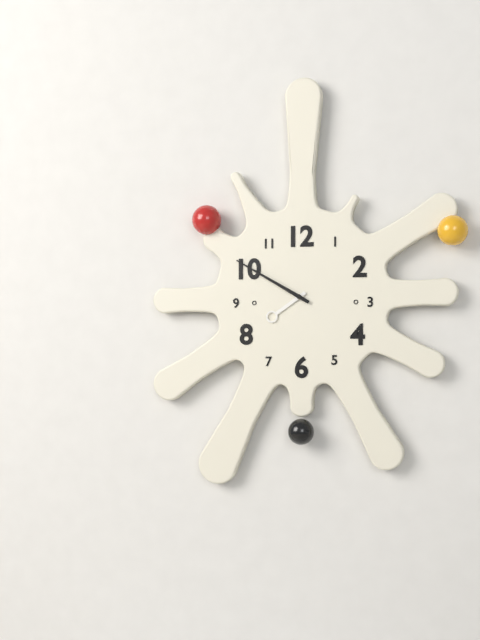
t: 7:50
